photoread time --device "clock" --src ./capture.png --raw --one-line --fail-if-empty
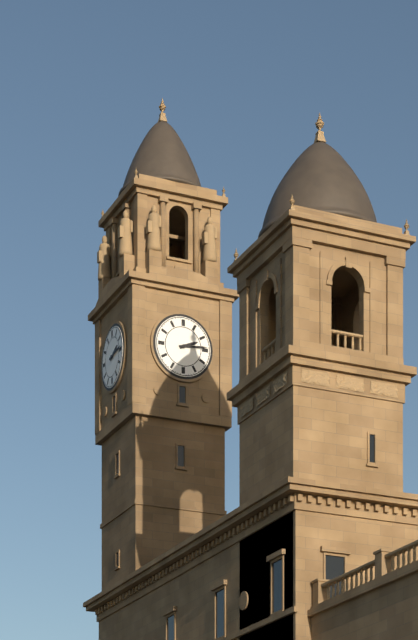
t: 2:14
